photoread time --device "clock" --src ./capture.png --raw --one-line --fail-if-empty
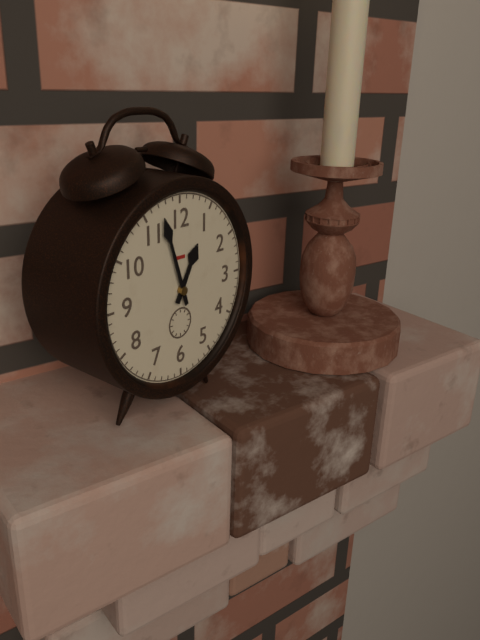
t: 12:57
